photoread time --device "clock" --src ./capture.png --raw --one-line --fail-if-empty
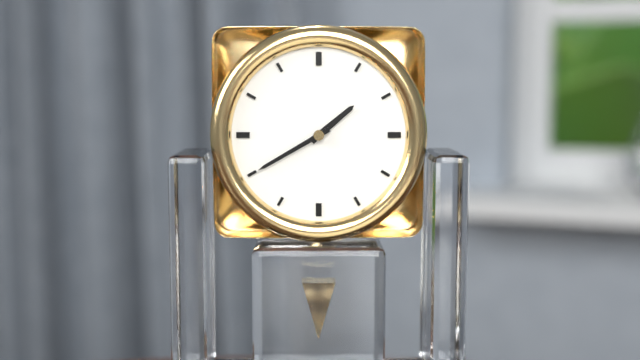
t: 1:40
